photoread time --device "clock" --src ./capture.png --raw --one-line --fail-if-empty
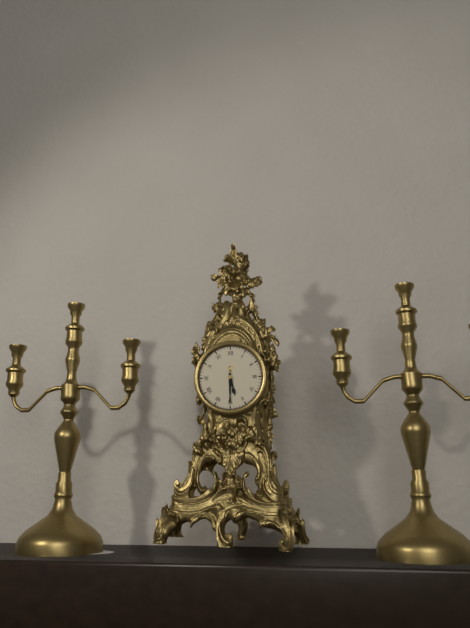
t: 5:30
